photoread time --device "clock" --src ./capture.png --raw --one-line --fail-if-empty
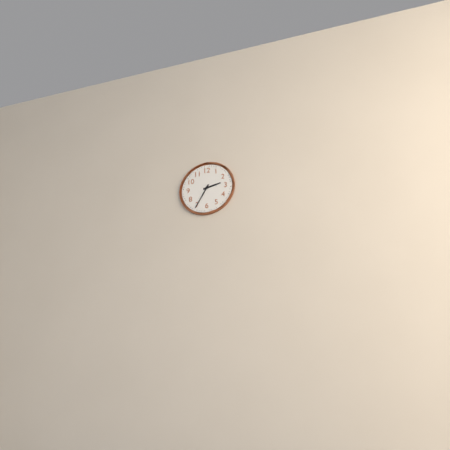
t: 2:35
